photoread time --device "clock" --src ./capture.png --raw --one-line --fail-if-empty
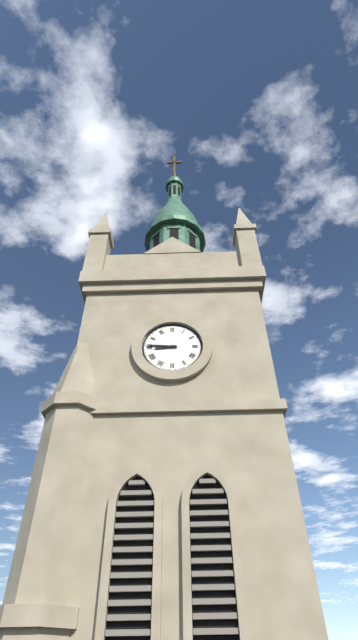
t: 8:46
